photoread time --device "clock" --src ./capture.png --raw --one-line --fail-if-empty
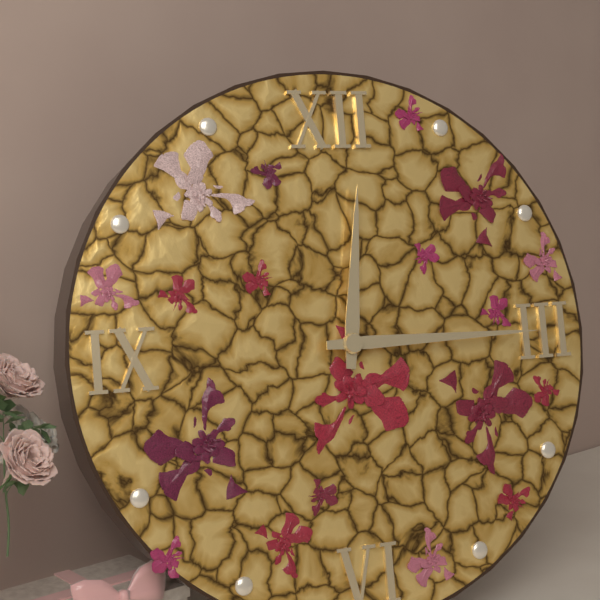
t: 12:15
